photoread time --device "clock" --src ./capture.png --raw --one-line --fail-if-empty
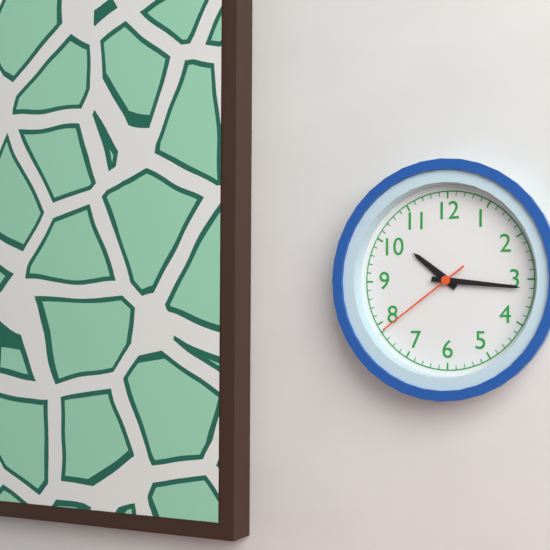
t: 10:16:39
